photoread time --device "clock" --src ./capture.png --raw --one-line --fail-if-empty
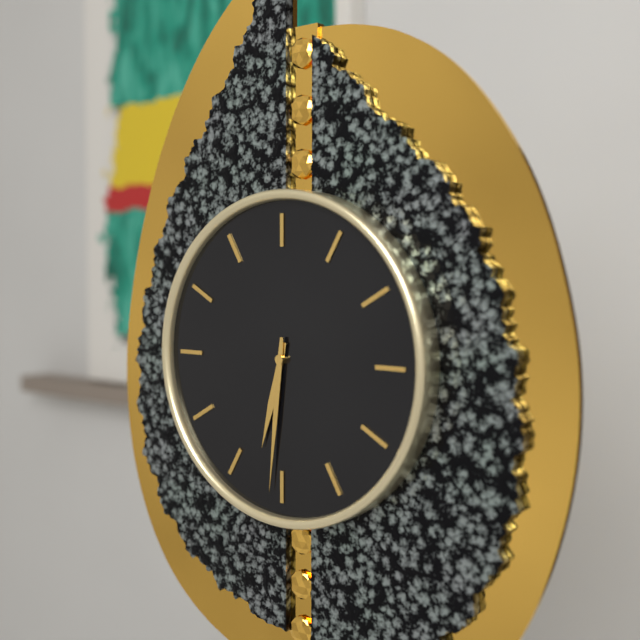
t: 6:31
